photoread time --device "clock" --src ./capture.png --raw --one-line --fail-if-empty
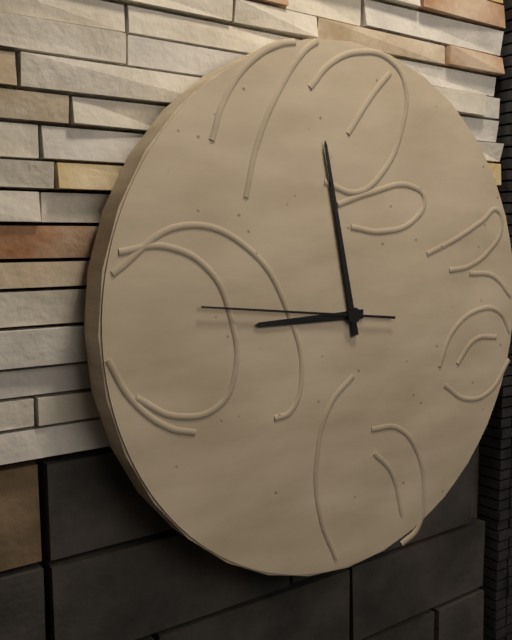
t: 8:58:46
